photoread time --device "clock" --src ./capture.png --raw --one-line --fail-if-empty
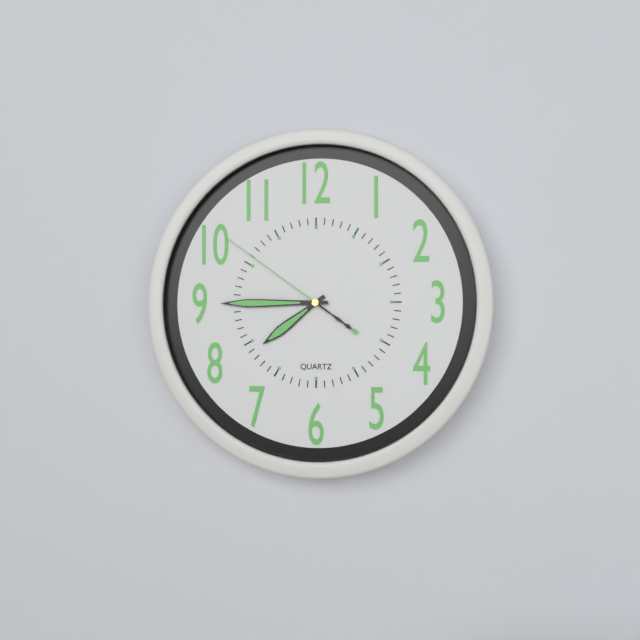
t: 7:45:51
